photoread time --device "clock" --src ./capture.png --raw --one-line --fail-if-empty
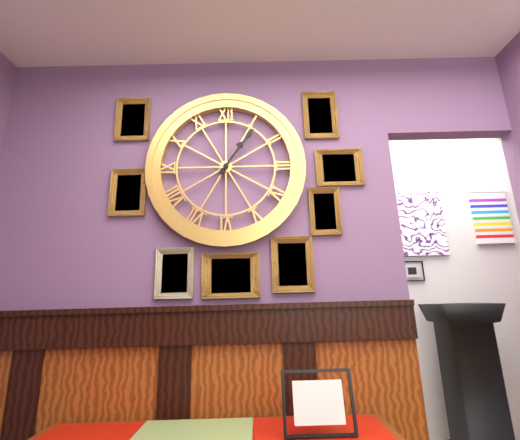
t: 1:06
